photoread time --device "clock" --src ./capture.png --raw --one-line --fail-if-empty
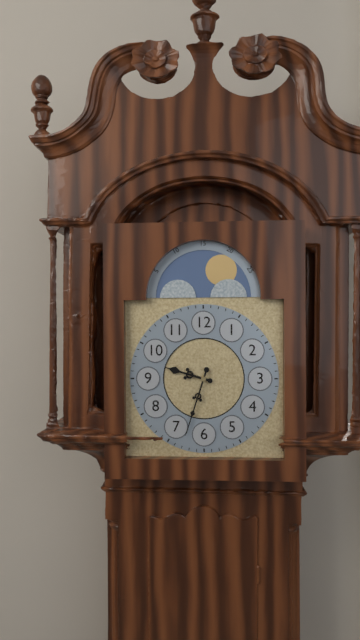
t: 9:33
